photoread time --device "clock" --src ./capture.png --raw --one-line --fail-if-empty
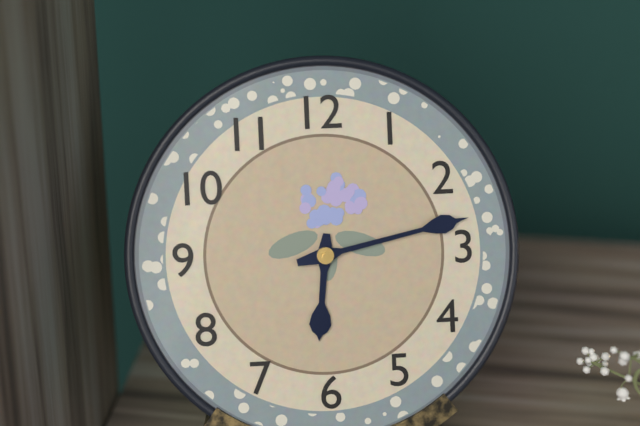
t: 6:13
